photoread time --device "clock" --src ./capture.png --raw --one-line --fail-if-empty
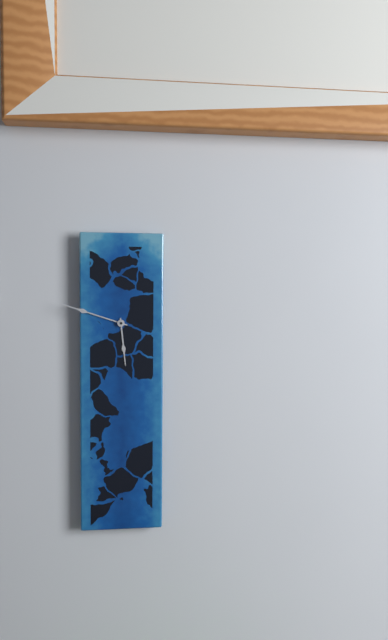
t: 5:48
